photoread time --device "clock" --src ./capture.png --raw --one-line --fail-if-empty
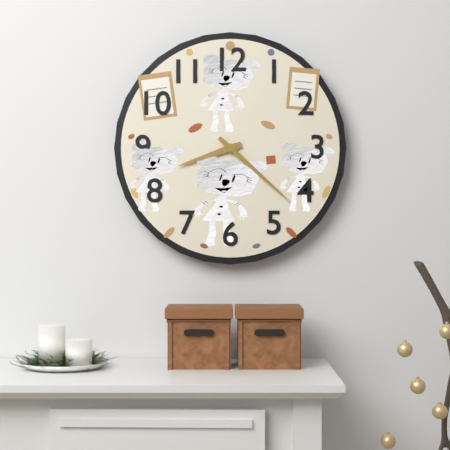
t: 8:22
